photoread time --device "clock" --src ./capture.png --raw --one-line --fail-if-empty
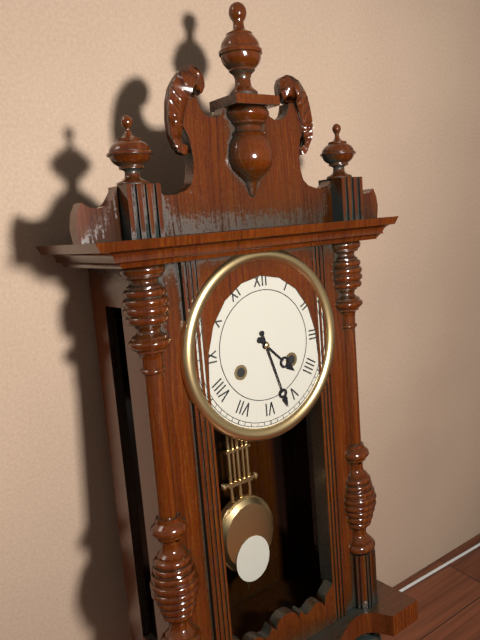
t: 4:27
